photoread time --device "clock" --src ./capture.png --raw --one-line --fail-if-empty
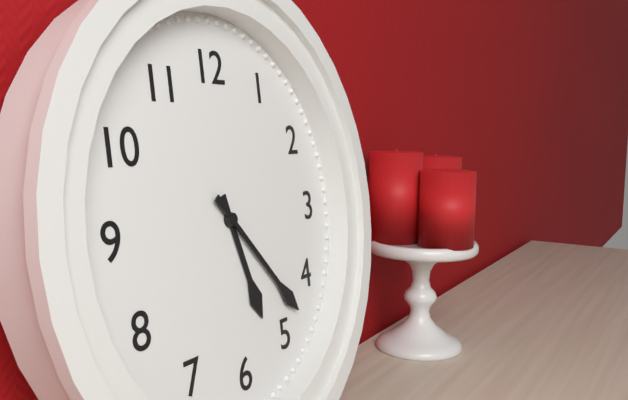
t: 5:23
